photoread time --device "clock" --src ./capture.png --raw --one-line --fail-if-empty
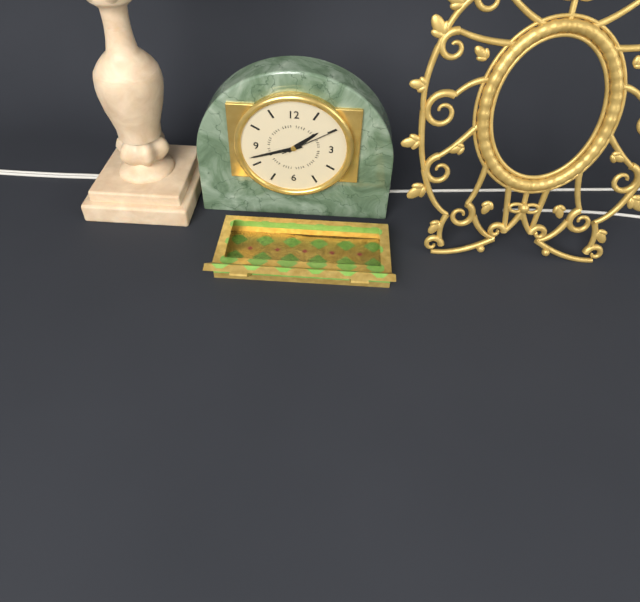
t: 1:42:10
